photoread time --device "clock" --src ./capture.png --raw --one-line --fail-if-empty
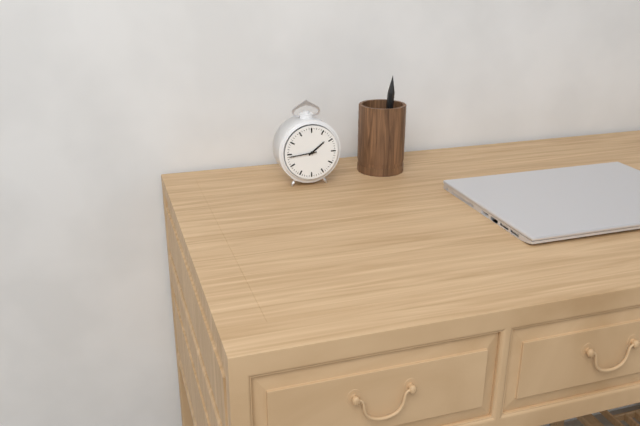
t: 1:44
